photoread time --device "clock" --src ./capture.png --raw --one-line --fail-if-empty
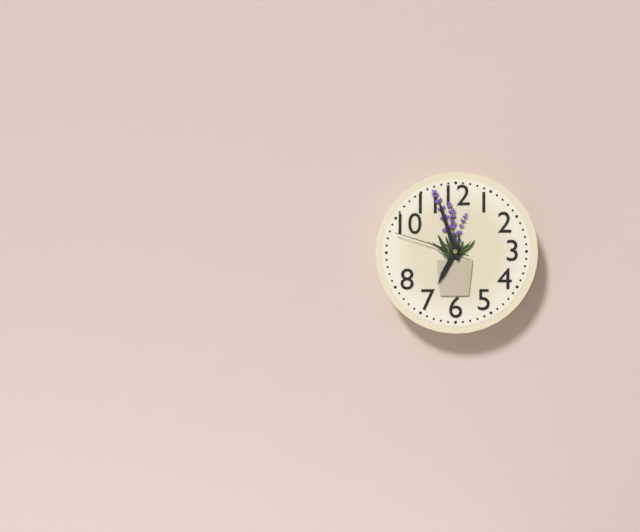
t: 6:57:48
